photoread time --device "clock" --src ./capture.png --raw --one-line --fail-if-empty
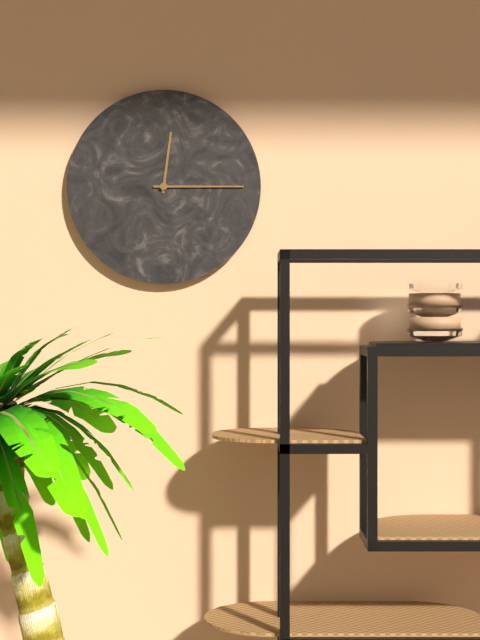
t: 12:15
